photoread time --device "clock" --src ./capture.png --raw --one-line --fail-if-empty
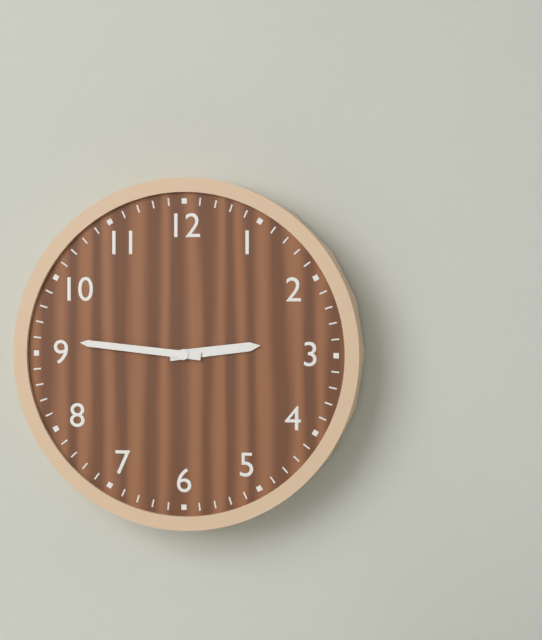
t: 2:46
